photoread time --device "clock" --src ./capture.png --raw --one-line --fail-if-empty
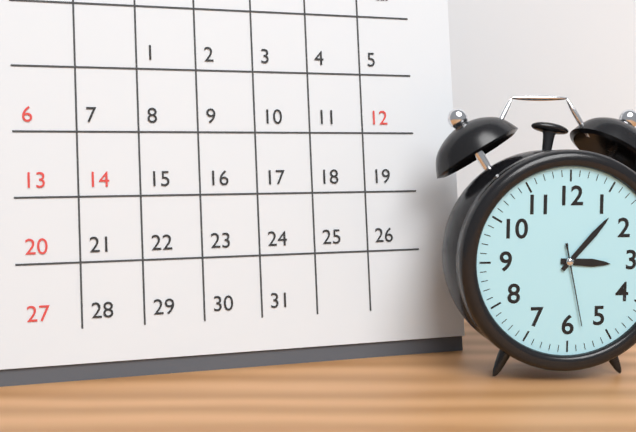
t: 3:07:28
